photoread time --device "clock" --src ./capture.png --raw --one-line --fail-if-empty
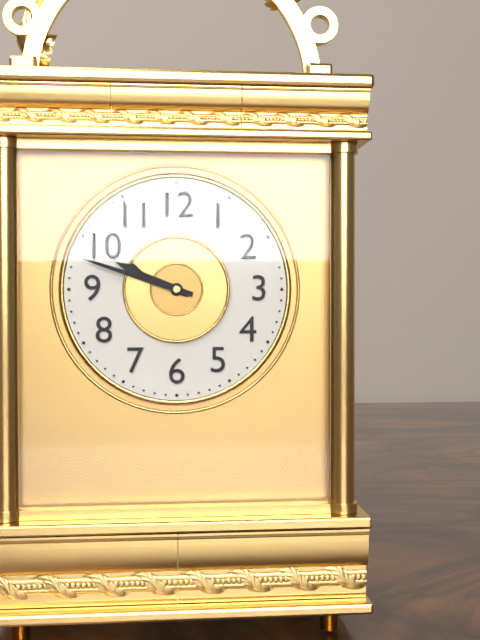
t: 9:48
